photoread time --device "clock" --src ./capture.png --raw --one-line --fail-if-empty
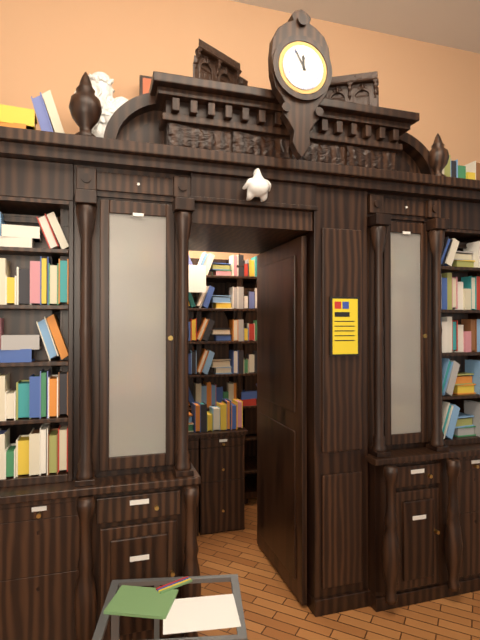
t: 11:55
